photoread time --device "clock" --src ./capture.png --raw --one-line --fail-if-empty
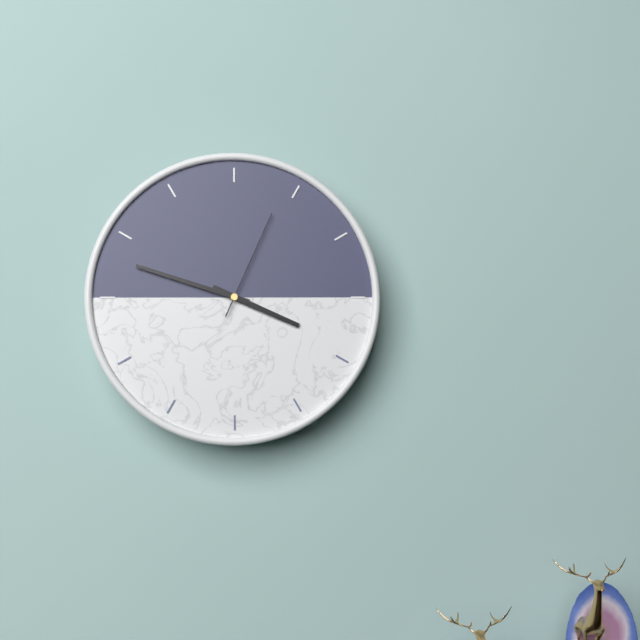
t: 3:48:04
